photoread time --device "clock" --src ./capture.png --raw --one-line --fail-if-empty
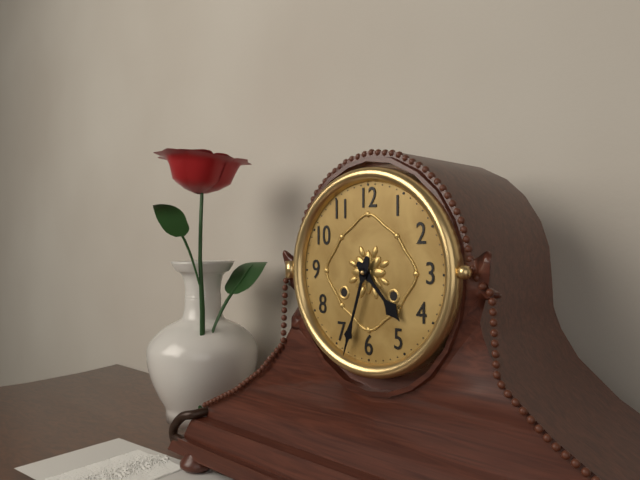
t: 4:33
